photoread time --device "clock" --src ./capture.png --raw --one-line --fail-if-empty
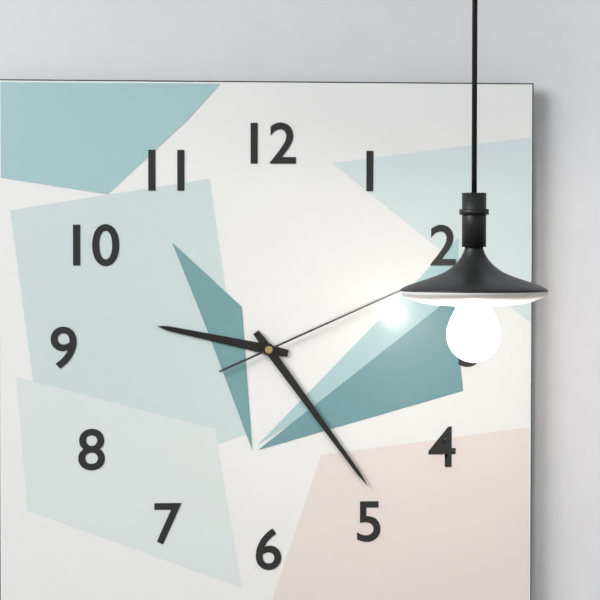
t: 9:24:11
